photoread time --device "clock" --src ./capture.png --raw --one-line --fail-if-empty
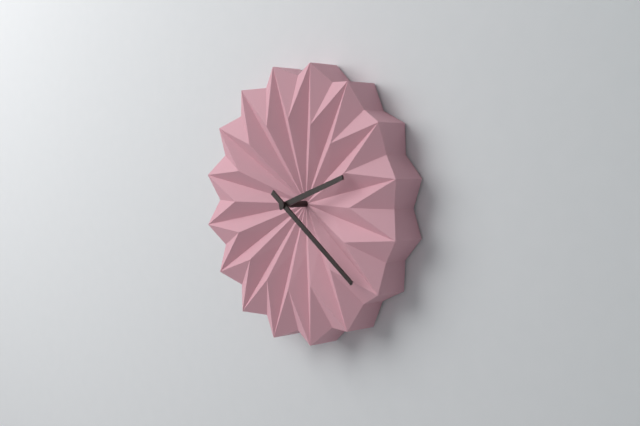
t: 2:21
